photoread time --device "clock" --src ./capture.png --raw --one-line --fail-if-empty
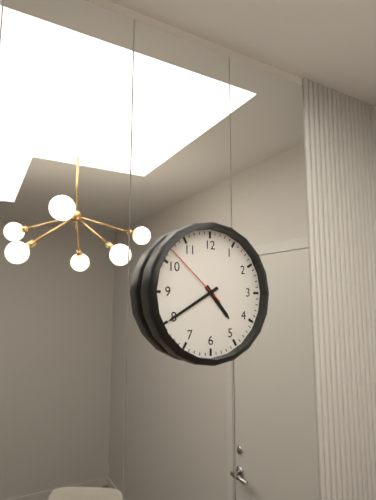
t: 4:40:52
